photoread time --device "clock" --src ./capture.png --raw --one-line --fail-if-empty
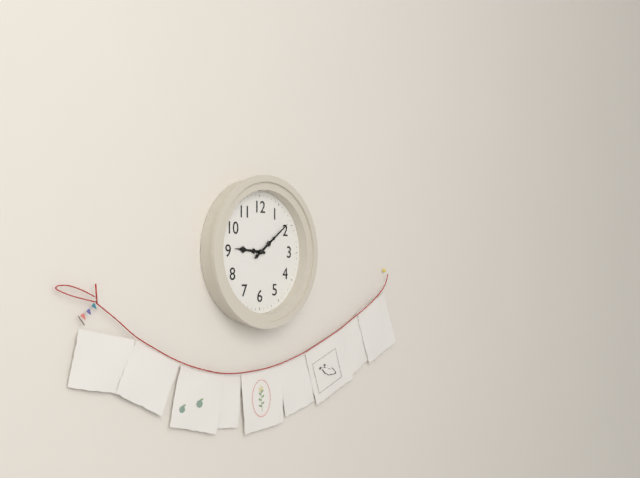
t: 9:09
